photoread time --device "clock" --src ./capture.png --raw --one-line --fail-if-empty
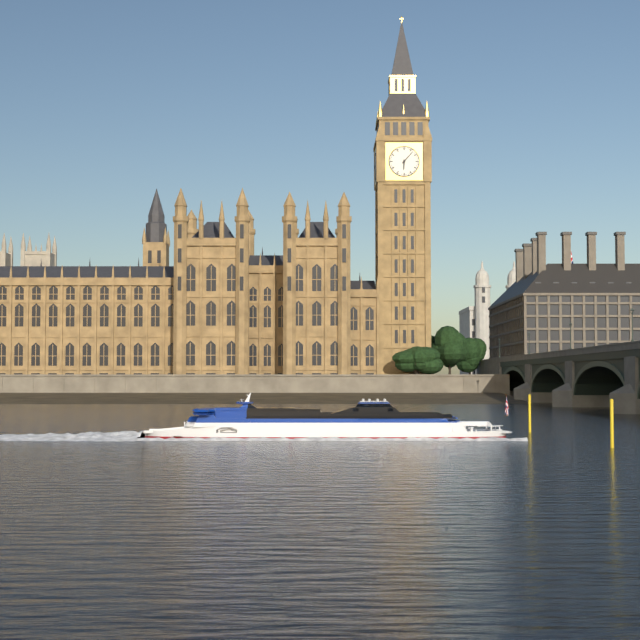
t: 6:07
